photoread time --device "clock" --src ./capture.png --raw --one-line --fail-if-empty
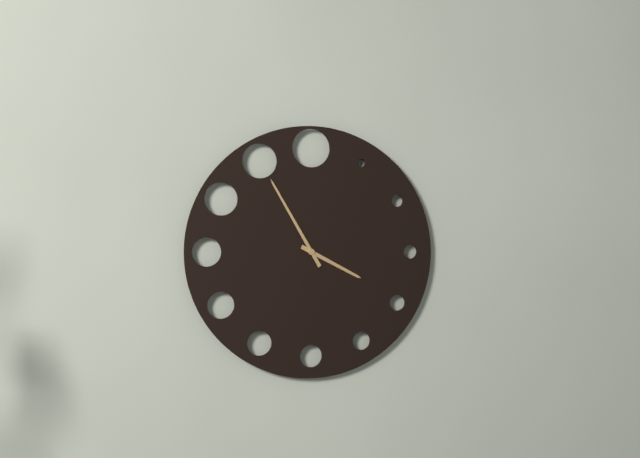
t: 3:55
